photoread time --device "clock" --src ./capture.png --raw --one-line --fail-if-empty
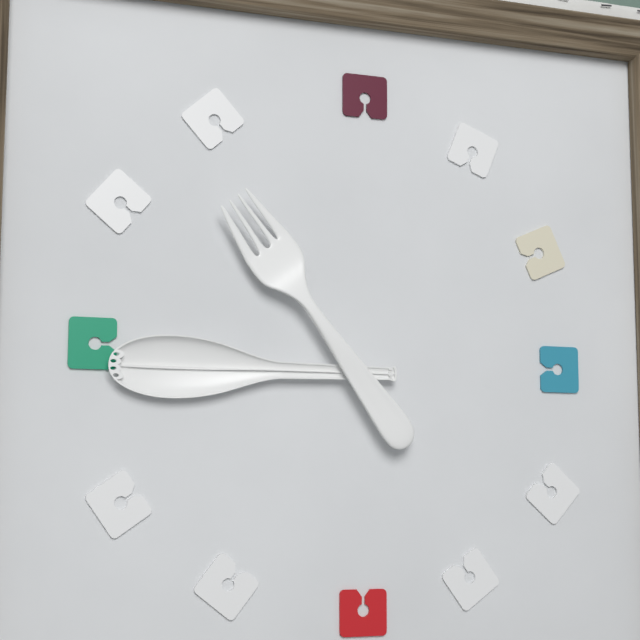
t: 10:45
